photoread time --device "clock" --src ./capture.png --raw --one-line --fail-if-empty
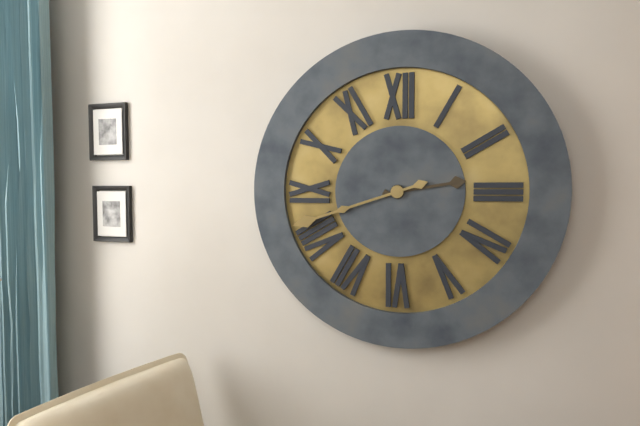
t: 2:42
